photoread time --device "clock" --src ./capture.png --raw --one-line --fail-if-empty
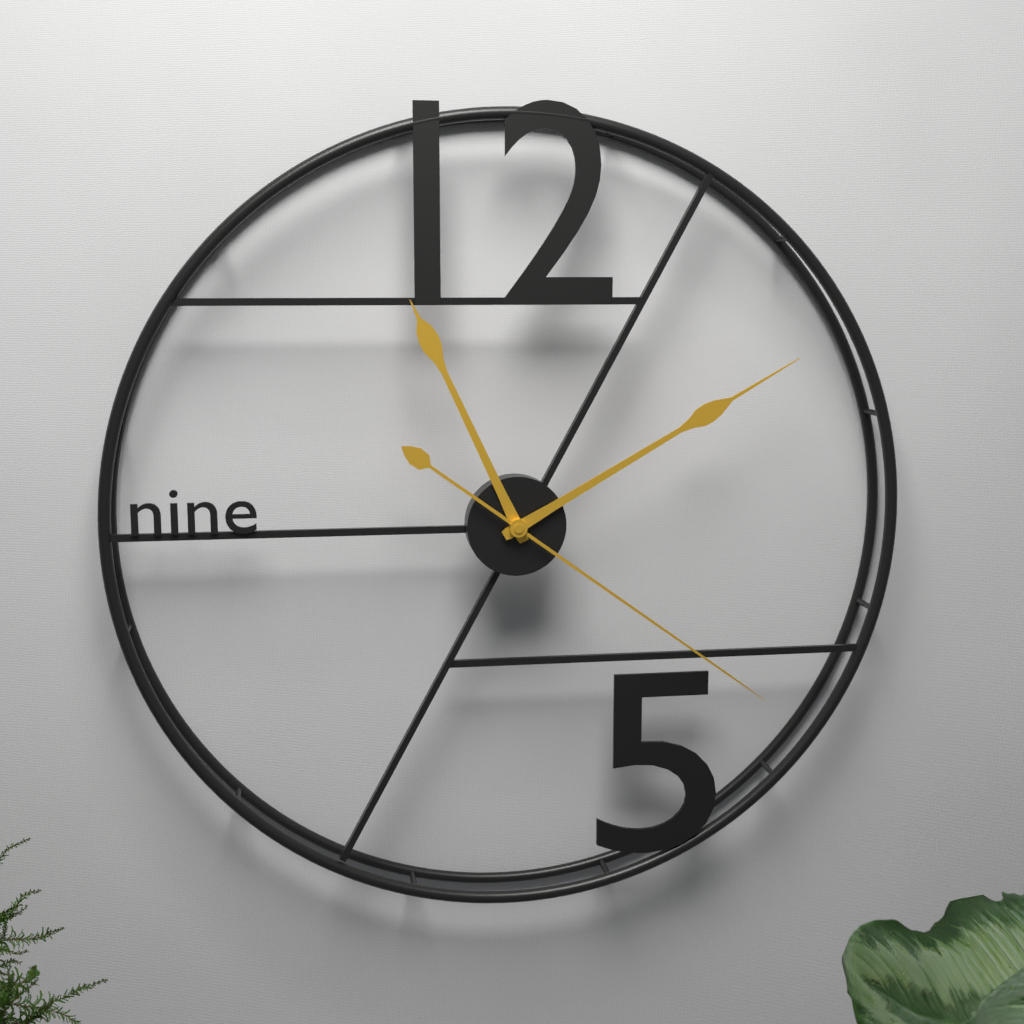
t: 11:10:21
